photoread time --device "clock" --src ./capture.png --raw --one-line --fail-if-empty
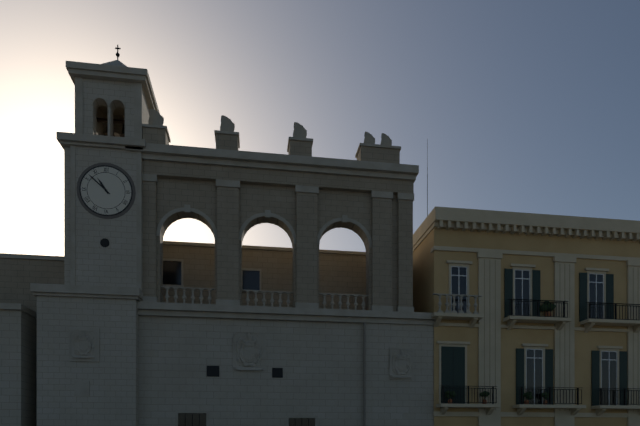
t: 10:52
